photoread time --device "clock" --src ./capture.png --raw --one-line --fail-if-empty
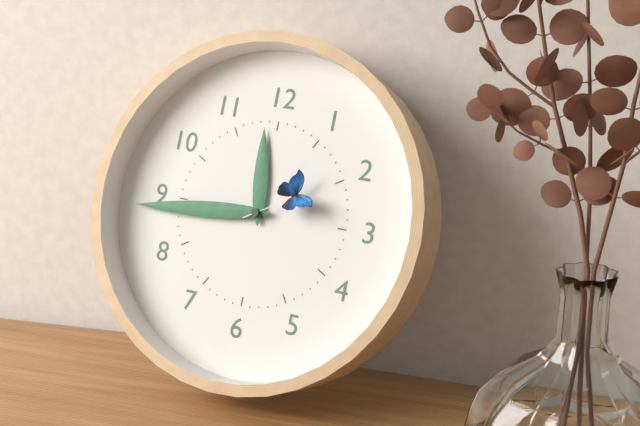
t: 11:44:10
